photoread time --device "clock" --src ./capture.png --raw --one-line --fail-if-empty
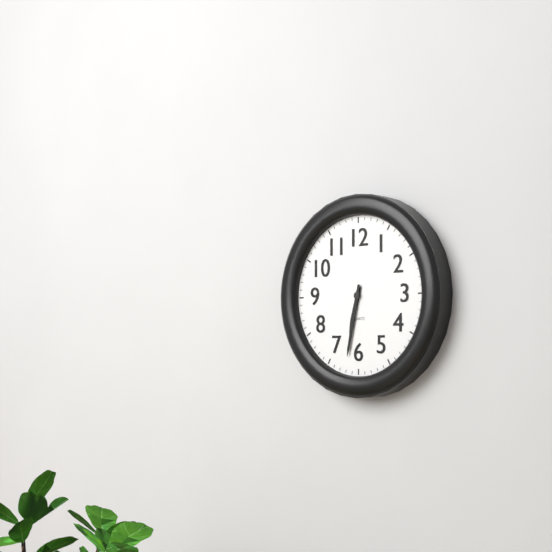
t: 6:32
